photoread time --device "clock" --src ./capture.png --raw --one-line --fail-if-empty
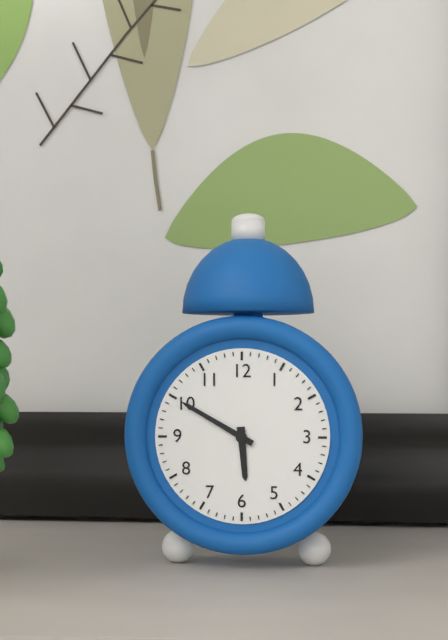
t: 5:50
